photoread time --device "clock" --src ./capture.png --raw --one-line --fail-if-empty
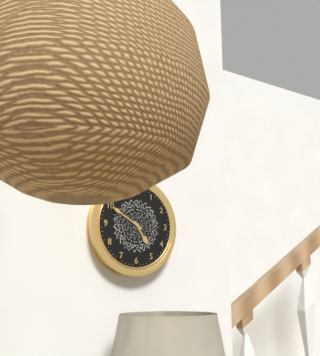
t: 4:50
